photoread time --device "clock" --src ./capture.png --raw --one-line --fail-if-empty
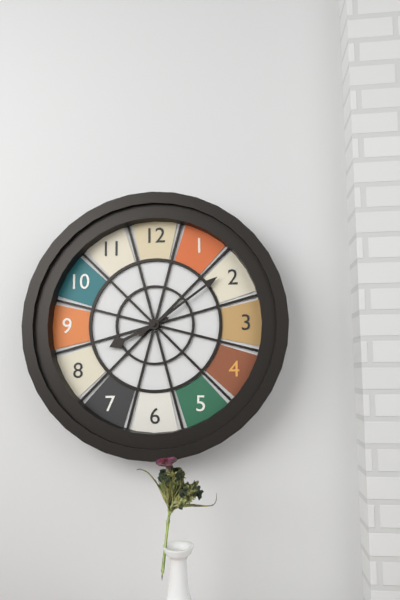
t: 8:09
